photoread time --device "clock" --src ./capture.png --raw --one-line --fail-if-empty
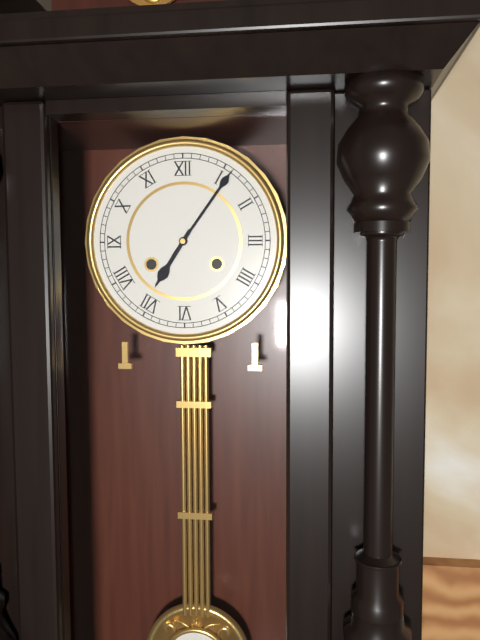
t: 7:06
